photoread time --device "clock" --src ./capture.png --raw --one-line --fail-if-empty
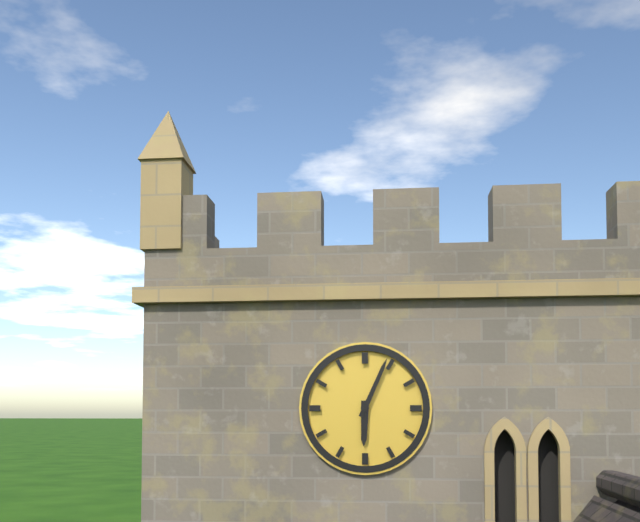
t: 6:04
